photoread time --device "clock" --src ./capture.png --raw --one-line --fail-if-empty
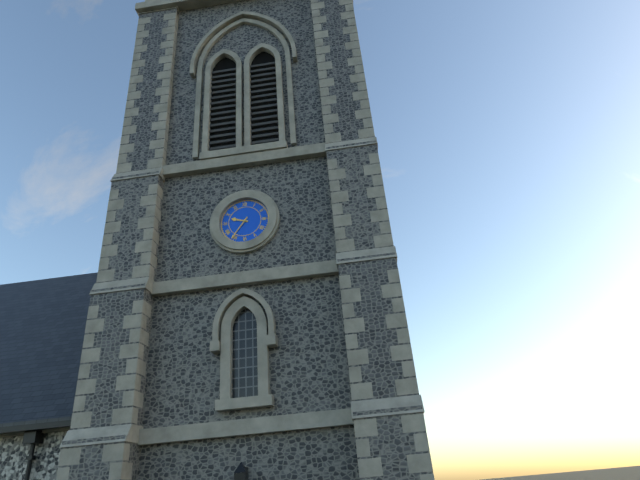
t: 9:36
